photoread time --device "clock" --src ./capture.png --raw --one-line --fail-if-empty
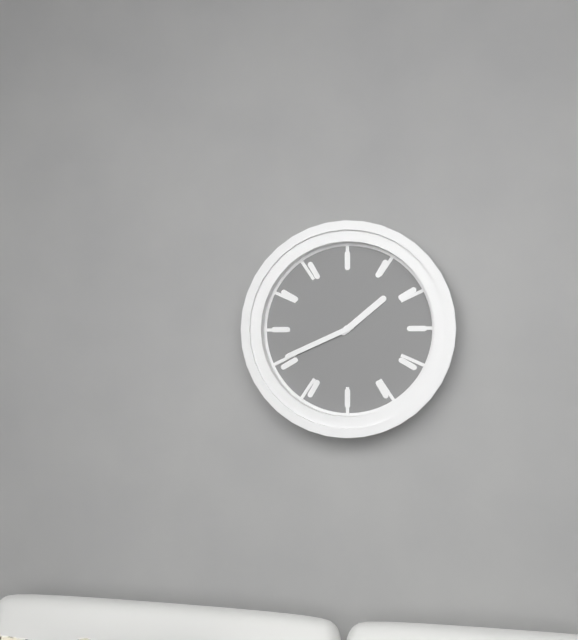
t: 1:41
